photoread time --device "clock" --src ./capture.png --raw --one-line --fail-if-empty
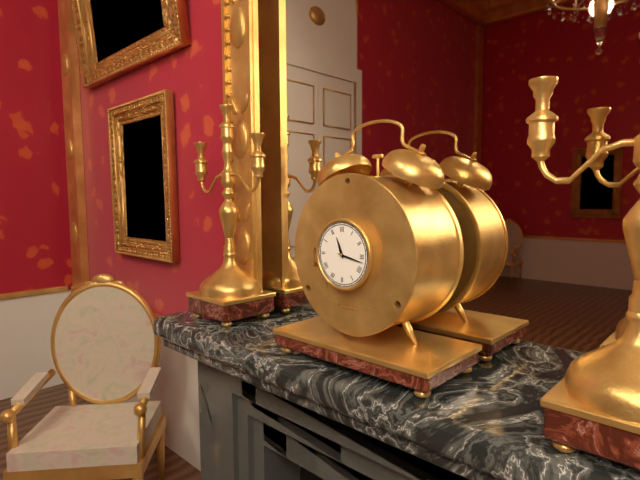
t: 11:17
